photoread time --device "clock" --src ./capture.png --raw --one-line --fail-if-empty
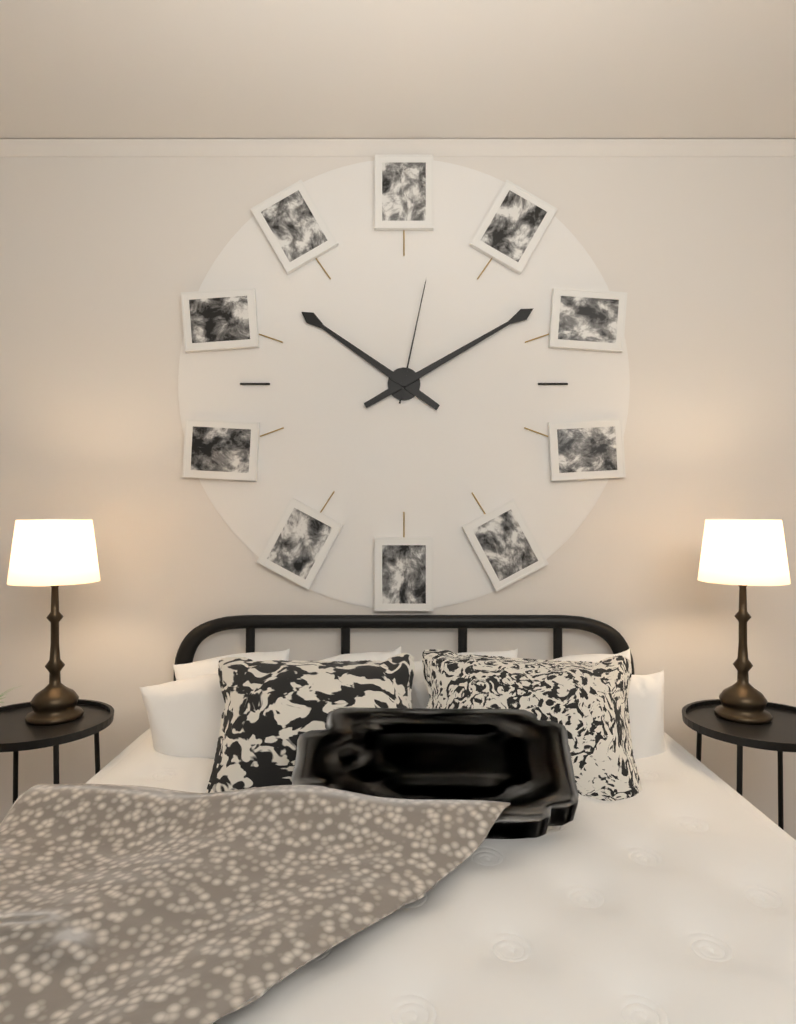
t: 10:10:02
